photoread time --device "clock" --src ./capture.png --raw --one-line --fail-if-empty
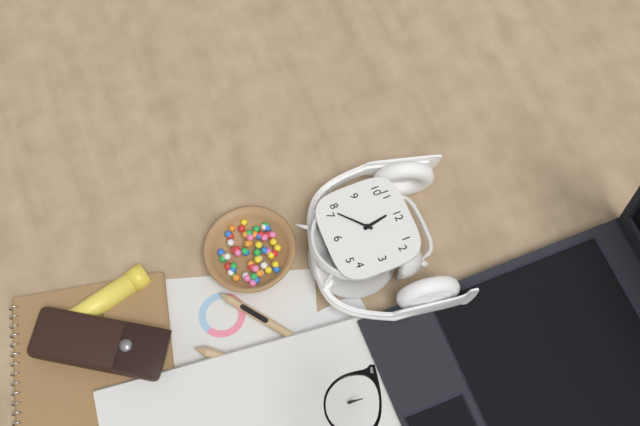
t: 11:38
